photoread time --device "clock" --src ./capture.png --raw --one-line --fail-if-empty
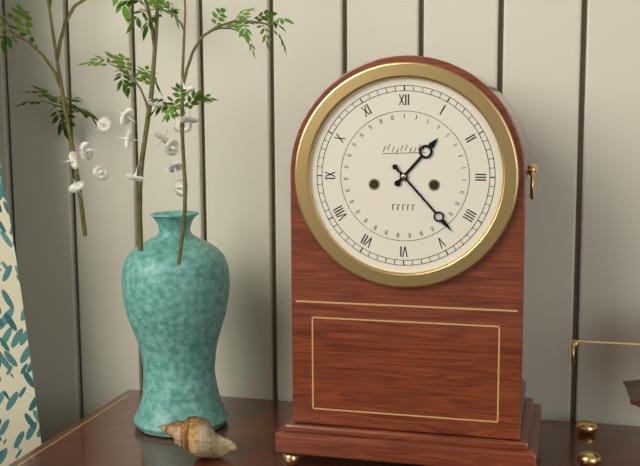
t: 1:23
